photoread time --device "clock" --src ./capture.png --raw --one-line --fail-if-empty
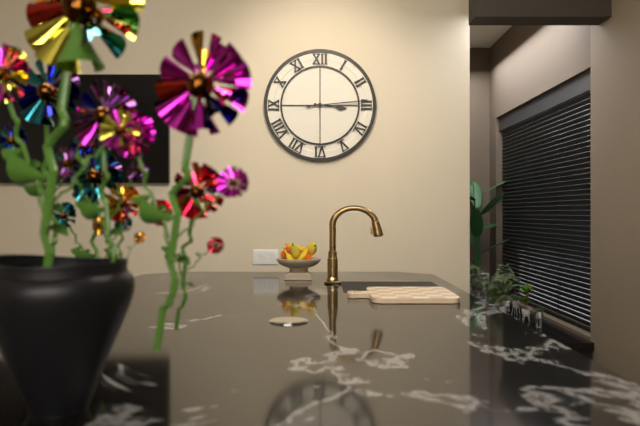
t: 3:14
